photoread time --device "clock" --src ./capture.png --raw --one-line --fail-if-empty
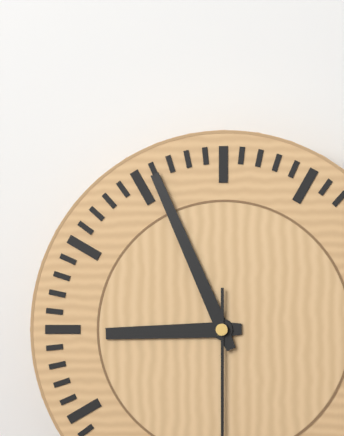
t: 8:56
